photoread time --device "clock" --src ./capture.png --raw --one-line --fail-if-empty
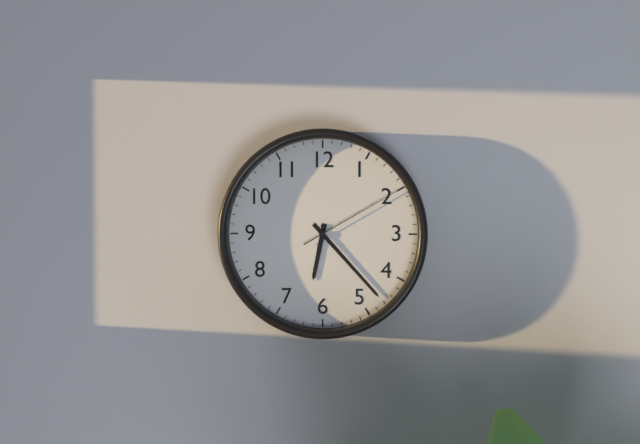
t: 6:23:10
